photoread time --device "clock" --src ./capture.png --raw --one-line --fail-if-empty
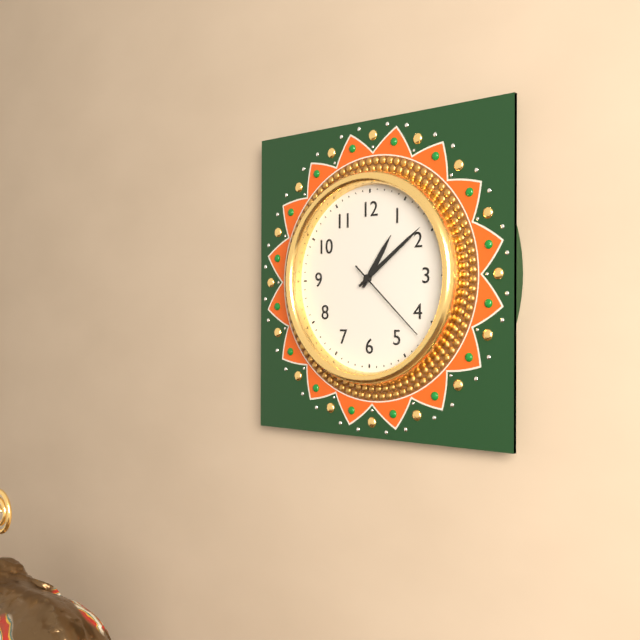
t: 1:09:22
